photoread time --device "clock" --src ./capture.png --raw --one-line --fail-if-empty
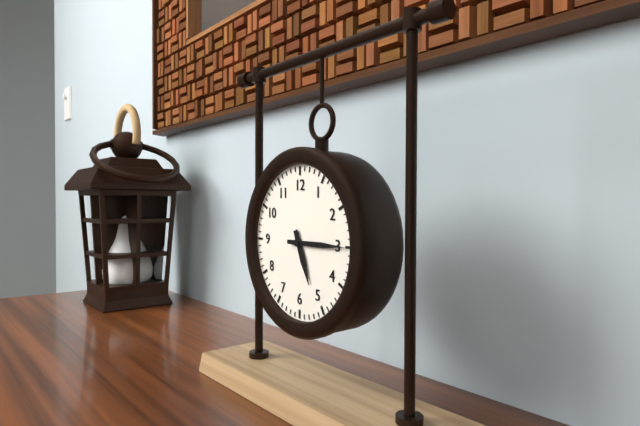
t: 5:15
